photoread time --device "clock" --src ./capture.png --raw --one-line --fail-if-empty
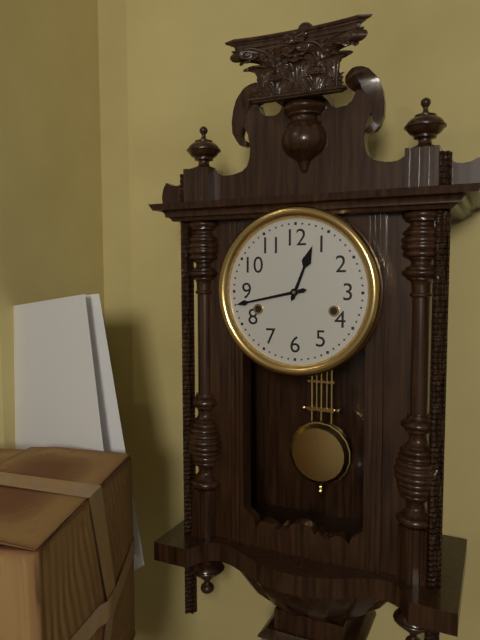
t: 12:43
